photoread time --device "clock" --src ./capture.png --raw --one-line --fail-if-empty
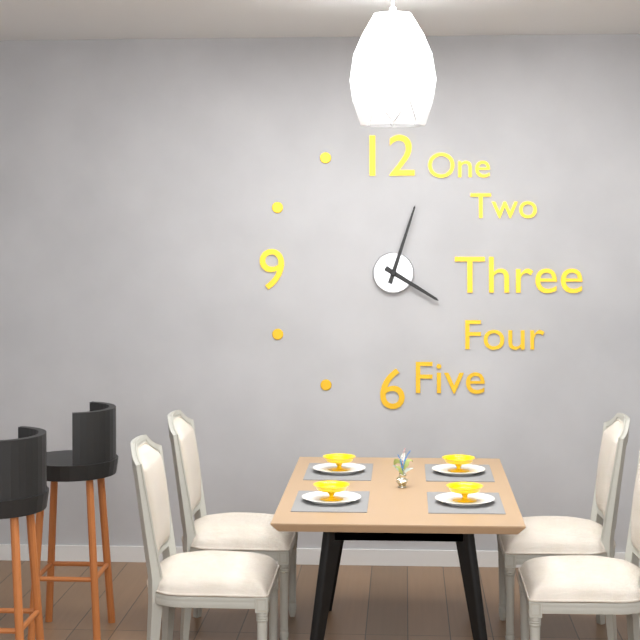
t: 4:03
